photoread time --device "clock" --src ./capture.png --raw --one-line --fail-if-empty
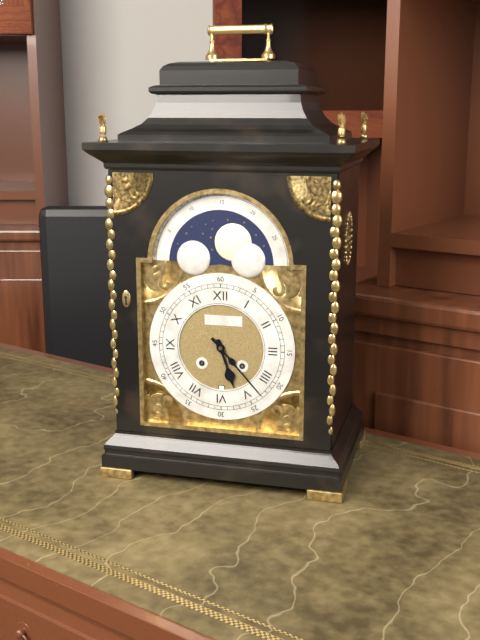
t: 5:23
